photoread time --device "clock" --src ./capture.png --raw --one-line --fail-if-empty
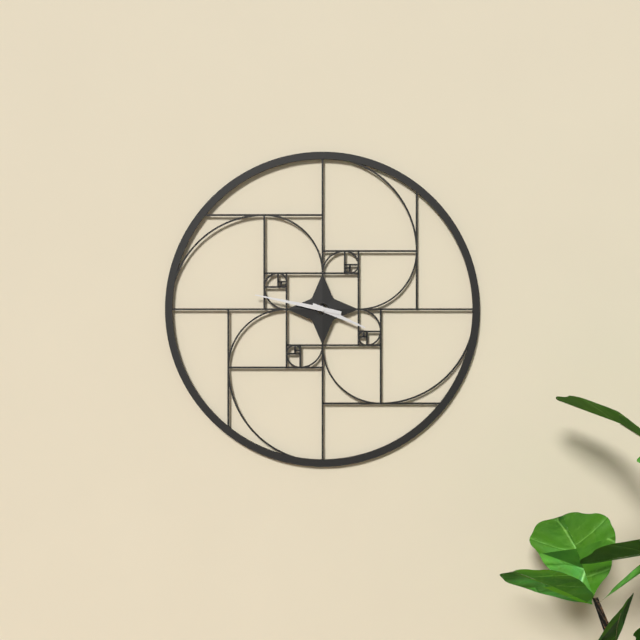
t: 3:47
